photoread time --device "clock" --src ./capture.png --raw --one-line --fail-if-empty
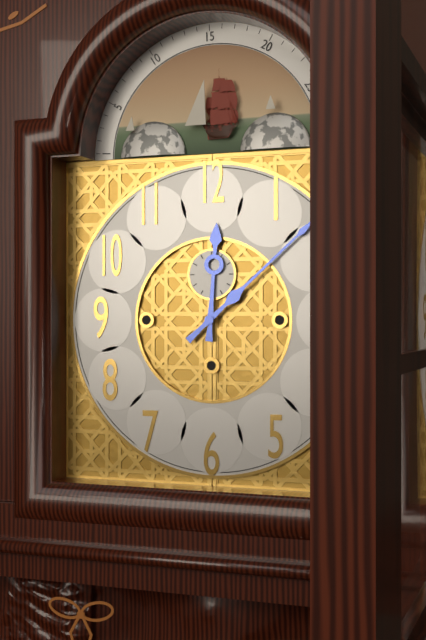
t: 12:08
